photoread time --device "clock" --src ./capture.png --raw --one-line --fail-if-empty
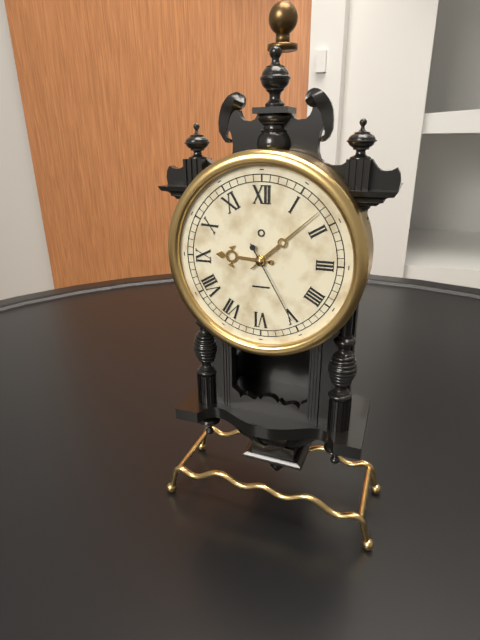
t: 9:08:25
